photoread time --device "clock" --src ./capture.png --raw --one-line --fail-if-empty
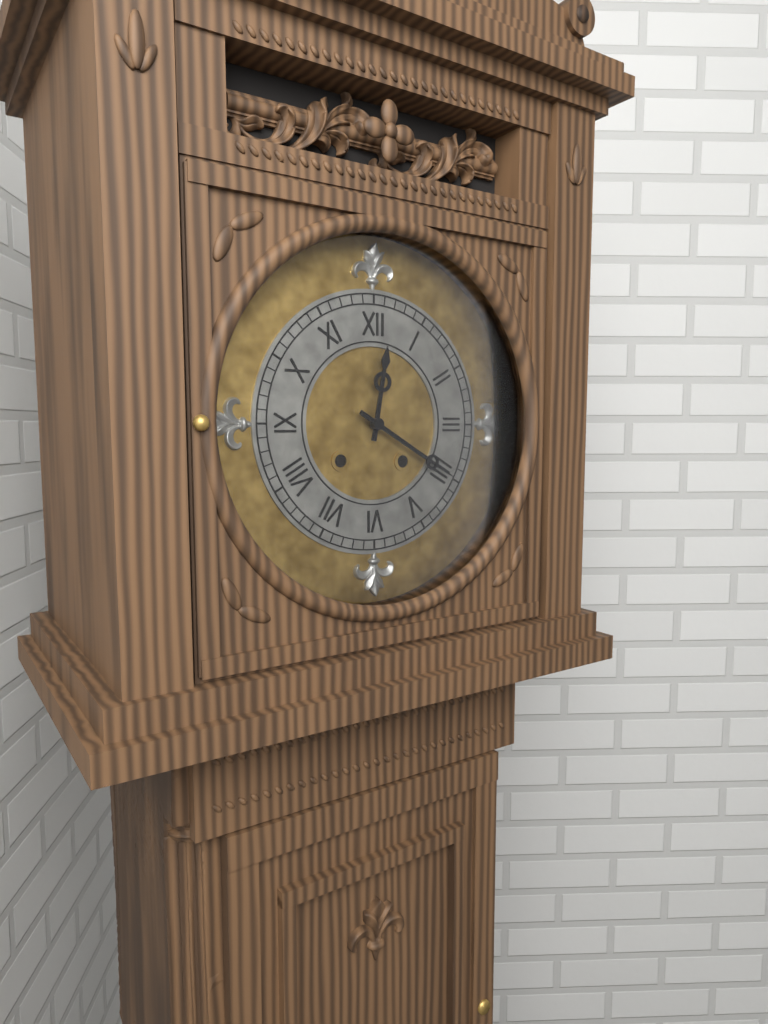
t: 12:20
